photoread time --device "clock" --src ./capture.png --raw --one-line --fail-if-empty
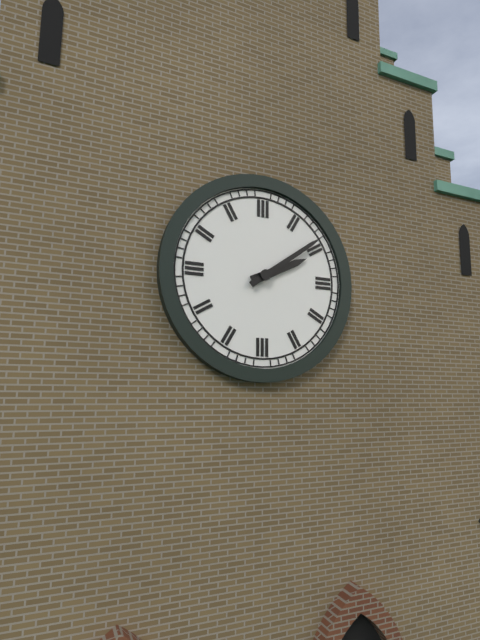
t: 2:09
